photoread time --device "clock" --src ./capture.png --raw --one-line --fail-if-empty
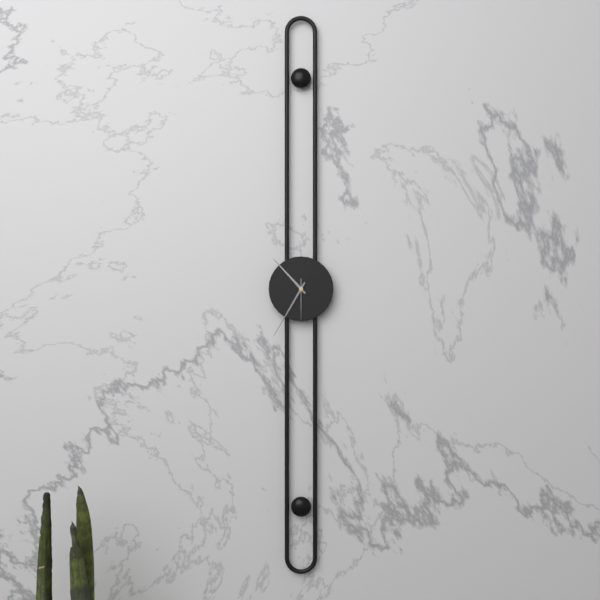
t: 10:35
